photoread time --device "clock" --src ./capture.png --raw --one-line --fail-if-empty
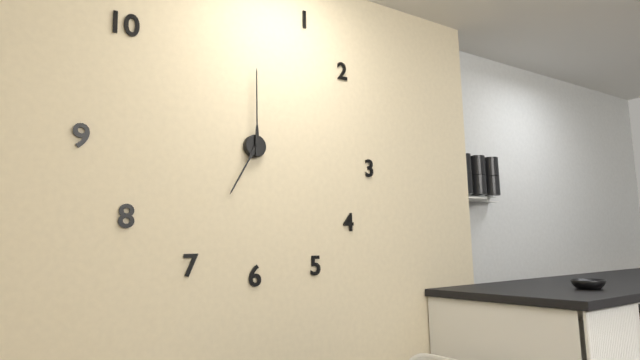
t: 7:00
